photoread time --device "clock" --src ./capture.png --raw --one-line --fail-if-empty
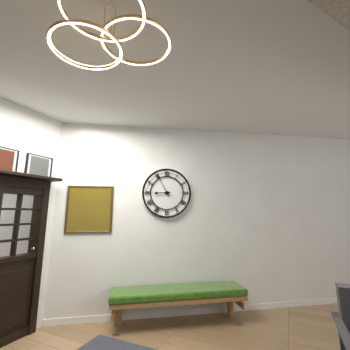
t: 8:55
